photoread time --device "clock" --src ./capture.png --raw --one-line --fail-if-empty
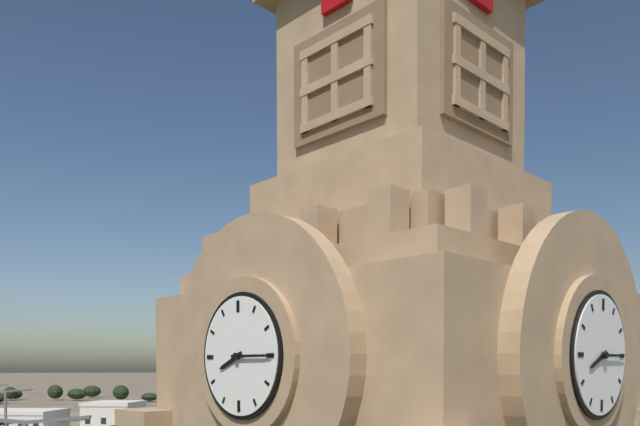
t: 8:15
